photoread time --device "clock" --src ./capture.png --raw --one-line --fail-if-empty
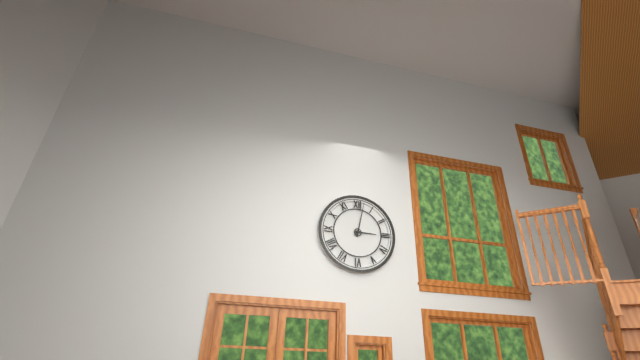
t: 3:02
